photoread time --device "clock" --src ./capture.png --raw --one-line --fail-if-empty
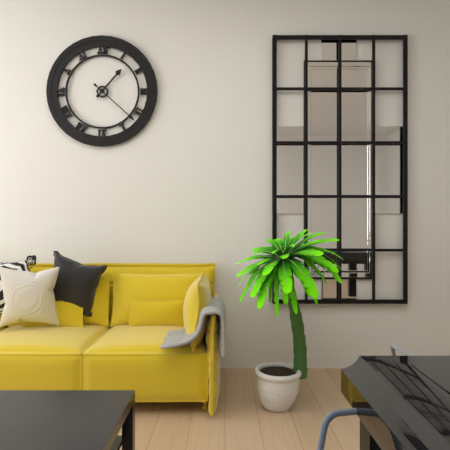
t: 1:22
